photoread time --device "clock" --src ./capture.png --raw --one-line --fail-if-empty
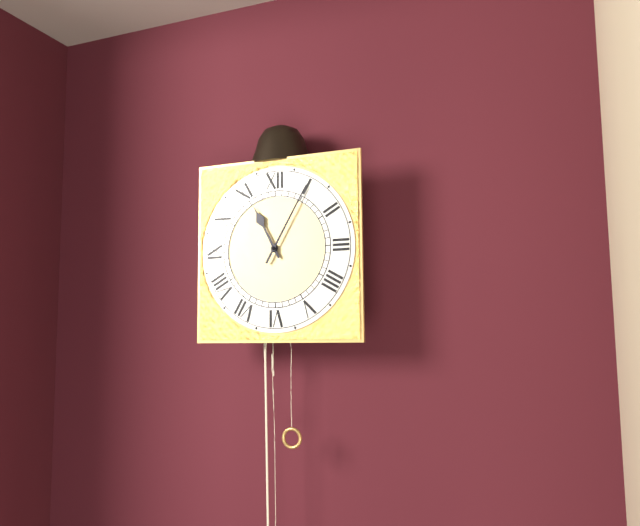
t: 11:05
